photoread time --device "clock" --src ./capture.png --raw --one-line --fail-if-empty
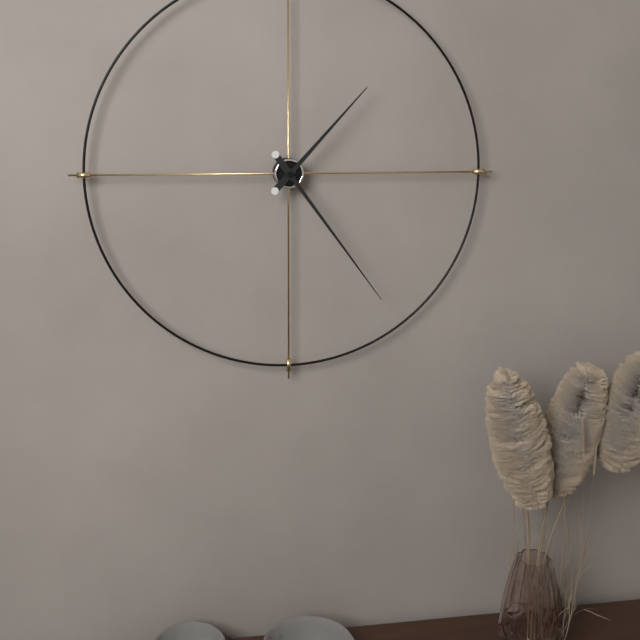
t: 1:24
